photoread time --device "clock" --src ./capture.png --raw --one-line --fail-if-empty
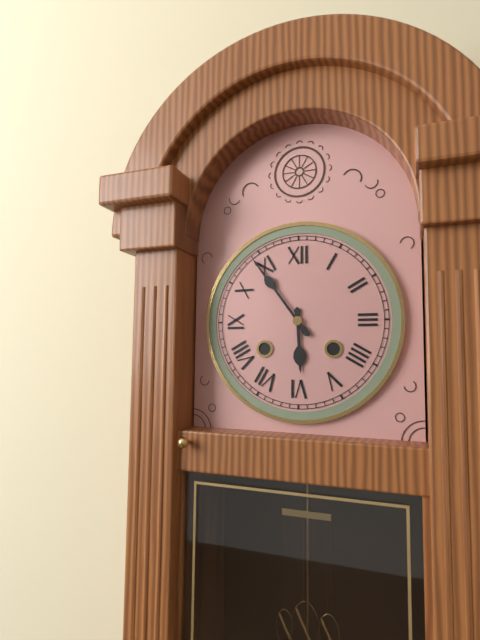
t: 5:54
